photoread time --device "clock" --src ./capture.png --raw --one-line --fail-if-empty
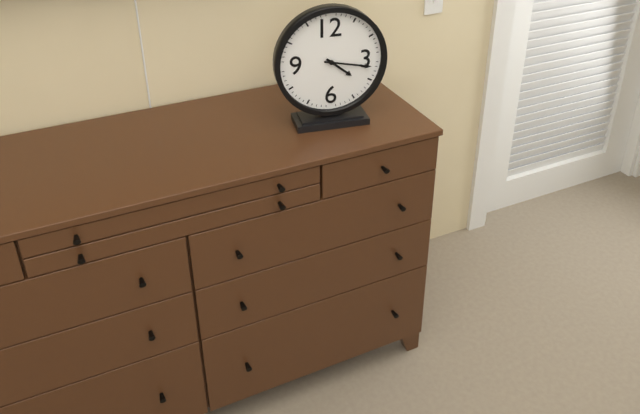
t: 4:17
